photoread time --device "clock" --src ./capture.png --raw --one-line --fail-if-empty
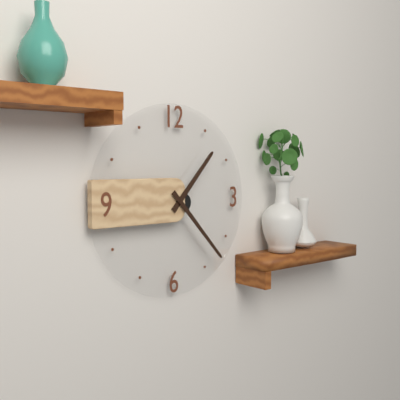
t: 1:23
